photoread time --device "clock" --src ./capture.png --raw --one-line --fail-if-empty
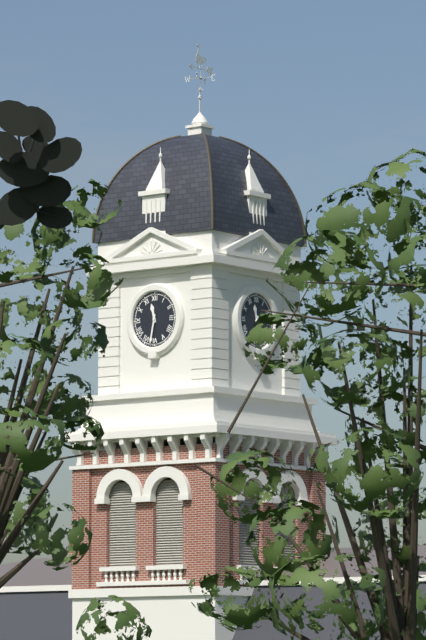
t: 11:32
